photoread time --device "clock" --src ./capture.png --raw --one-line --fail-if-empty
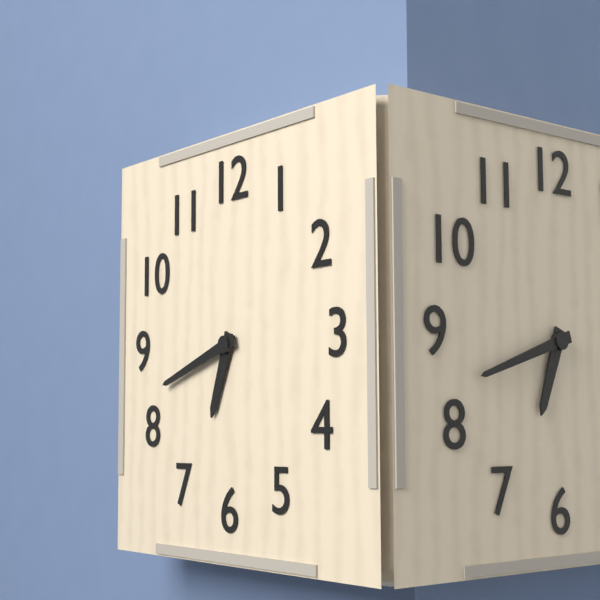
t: 6:42
